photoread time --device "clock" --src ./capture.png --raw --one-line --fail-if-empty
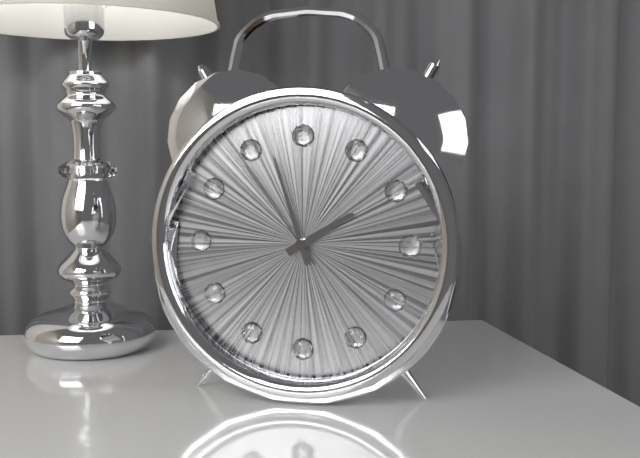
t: 1:57:54
